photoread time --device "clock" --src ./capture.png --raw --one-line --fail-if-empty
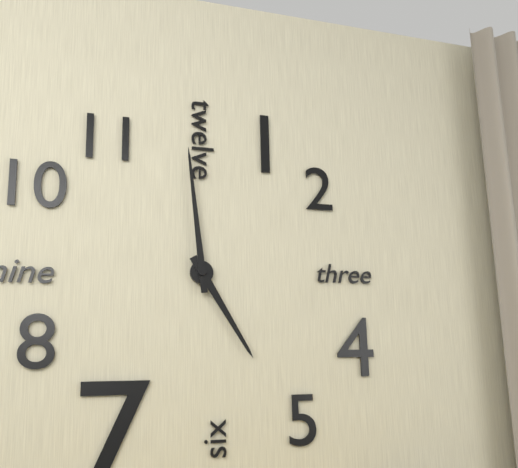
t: 4:59
